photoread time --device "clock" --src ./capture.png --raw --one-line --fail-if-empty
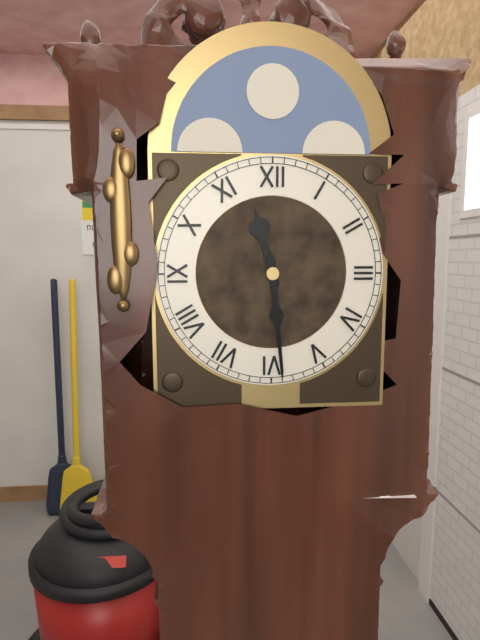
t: 11:29
